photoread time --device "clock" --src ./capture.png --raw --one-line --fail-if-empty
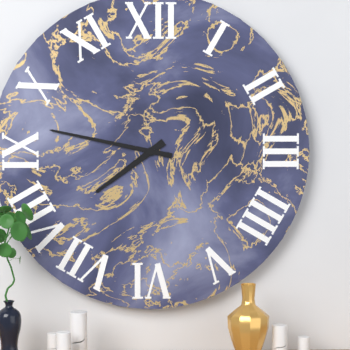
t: 7:47
